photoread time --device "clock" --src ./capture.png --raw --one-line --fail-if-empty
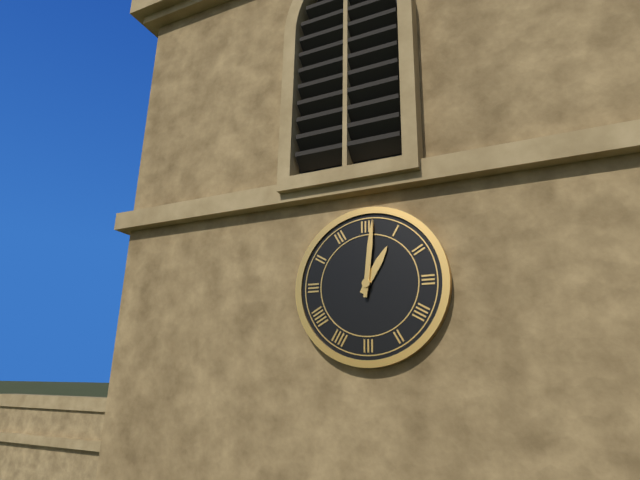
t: 1:01
